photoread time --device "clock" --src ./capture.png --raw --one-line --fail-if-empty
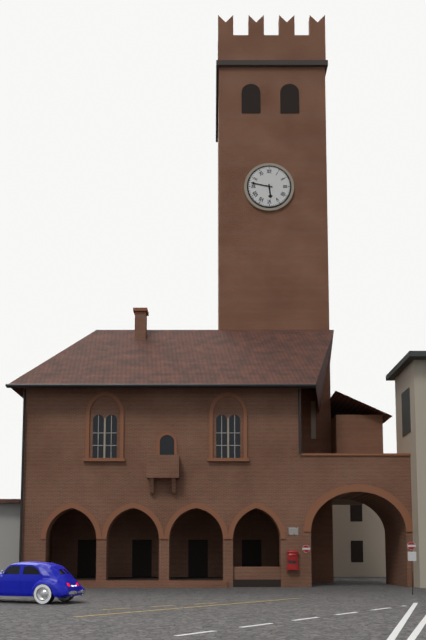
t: 5:47
